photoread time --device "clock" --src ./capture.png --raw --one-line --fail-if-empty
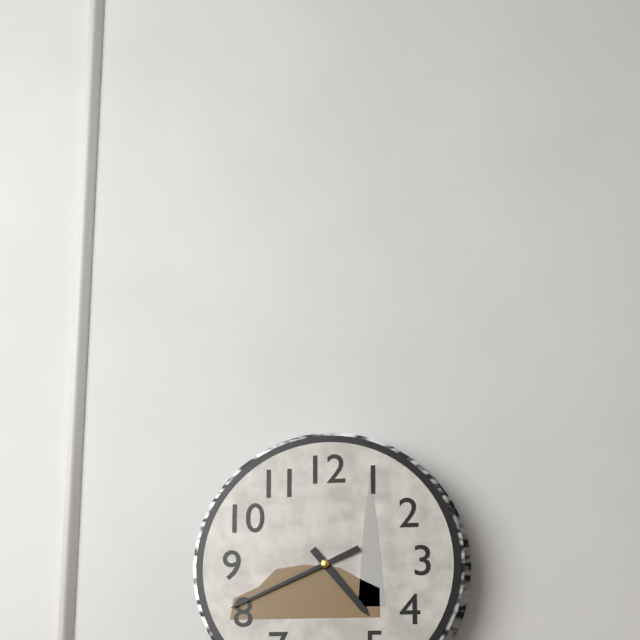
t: 4:41
